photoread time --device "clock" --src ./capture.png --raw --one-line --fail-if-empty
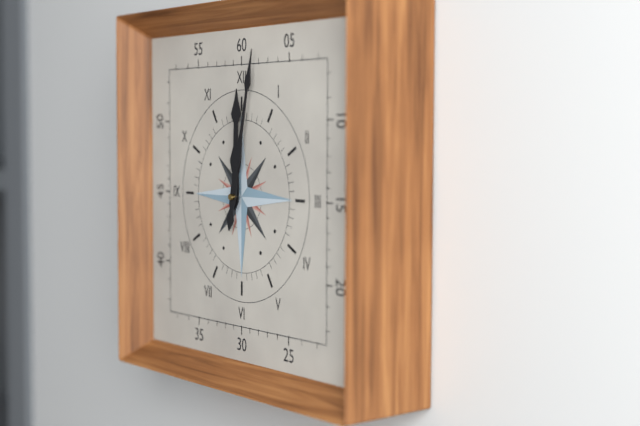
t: 12:02
